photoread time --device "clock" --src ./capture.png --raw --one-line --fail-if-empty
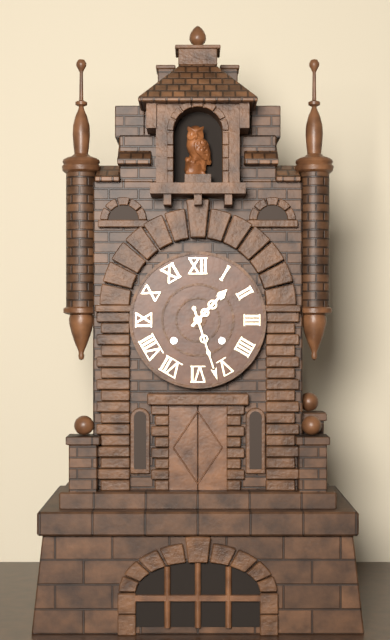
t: 1:27
